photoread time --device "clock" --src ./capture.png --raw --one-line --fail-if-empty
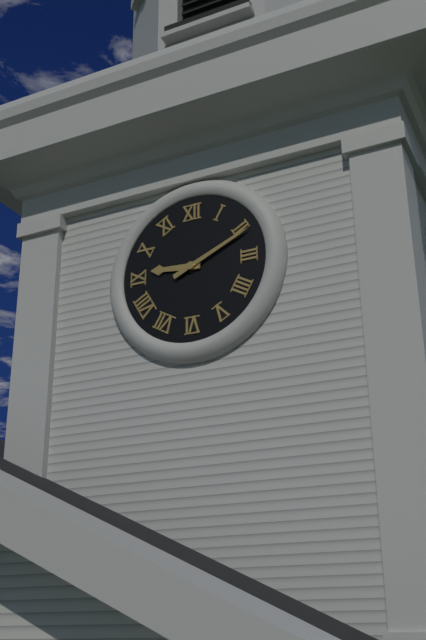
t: 9:11
